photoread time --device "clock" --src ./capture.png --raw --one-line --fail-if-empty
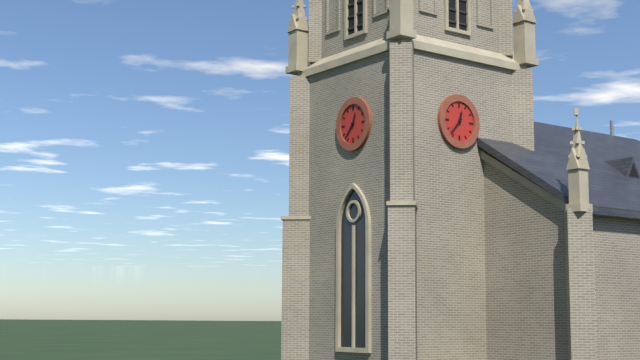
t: 12:37
